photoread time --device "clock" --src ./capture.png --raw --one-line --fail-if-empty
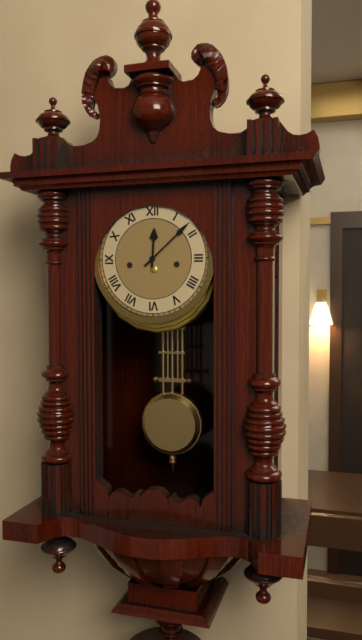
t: 12:08
